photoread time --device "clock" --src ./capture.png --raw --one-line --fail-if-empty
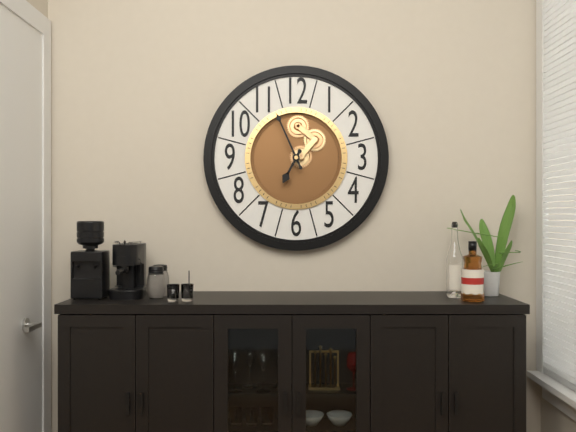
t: 6:56
